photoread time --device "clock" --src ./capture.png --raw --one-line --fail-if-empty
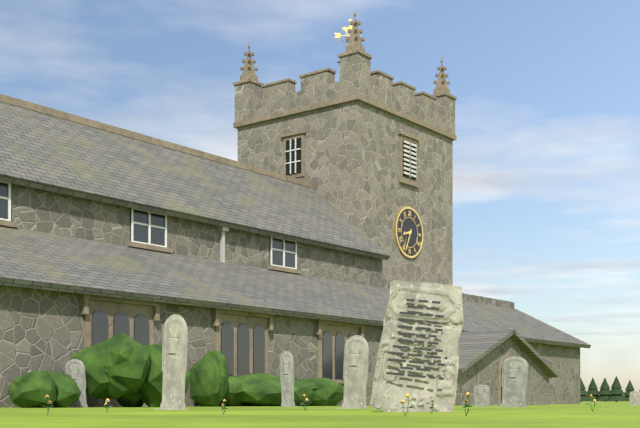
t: 8:34
